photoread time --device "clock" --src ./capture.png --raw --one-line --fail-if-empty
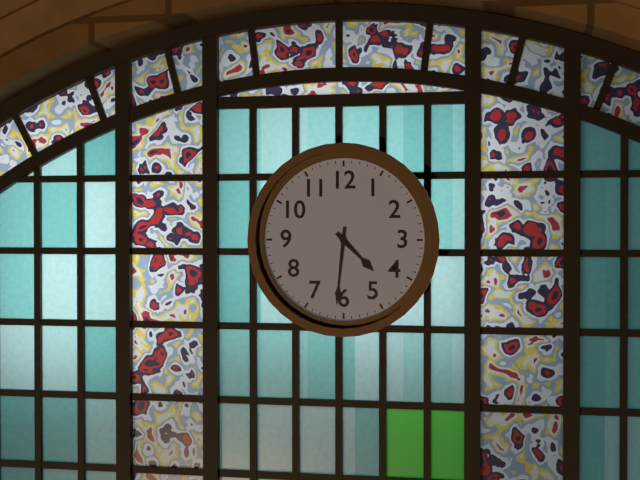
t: 4:31
